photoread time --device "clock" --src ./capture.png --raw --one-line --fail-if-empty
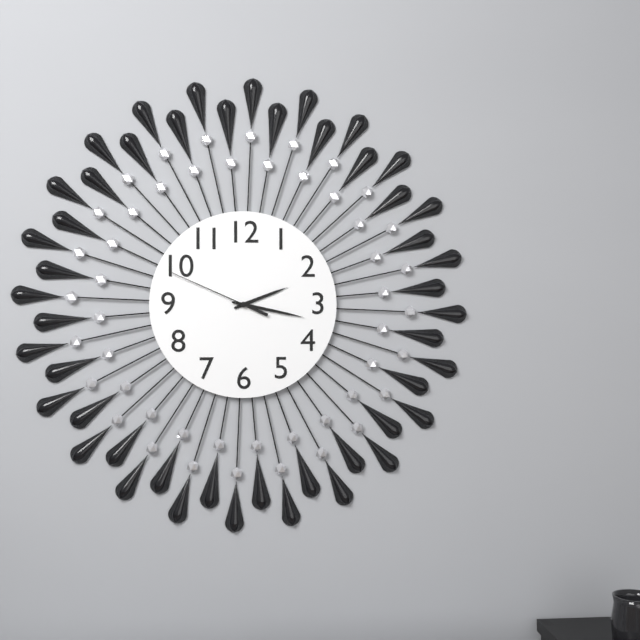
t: 2:17:49
